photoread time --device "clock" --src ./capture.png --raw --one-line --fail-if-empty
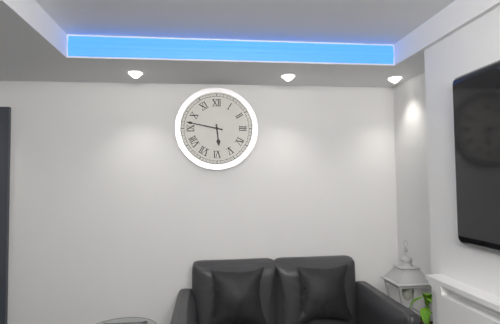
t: 5:47
